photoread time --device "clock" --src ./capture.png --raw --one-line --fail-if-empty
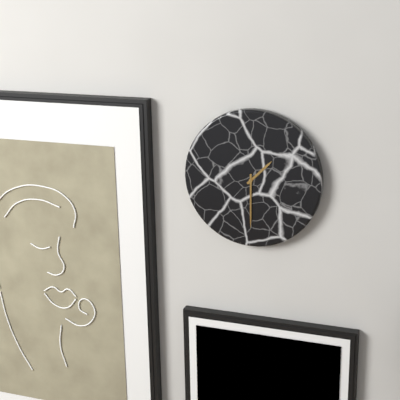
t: 1:30
